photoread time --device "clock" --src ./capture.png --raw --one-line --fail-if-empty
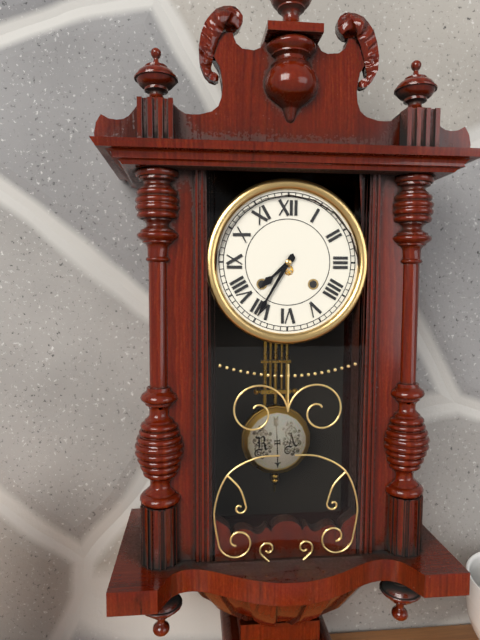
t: 7:35
